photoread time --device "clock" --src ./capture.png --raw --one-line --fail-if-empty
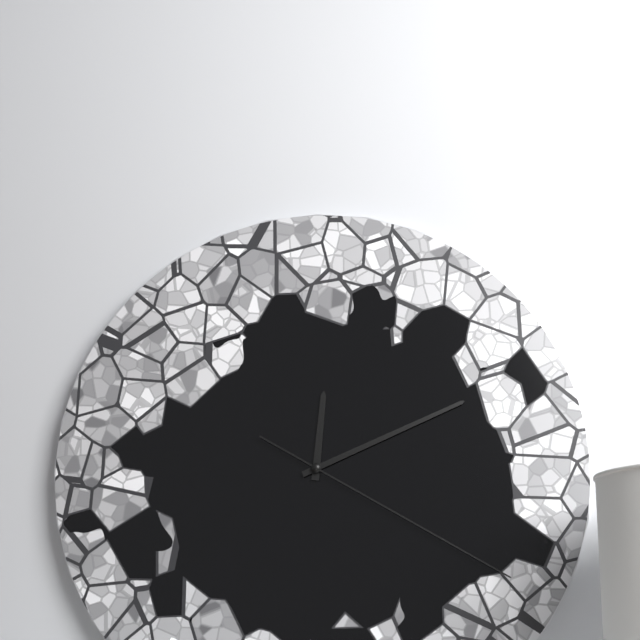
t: 12:11:20
